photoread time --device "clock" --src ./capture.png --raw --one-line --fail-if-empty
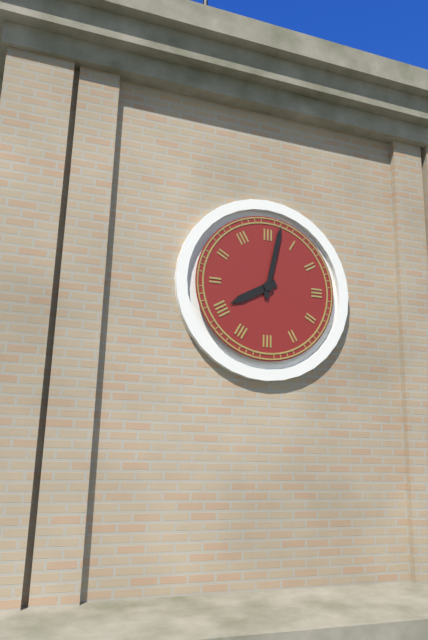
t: 8:02
